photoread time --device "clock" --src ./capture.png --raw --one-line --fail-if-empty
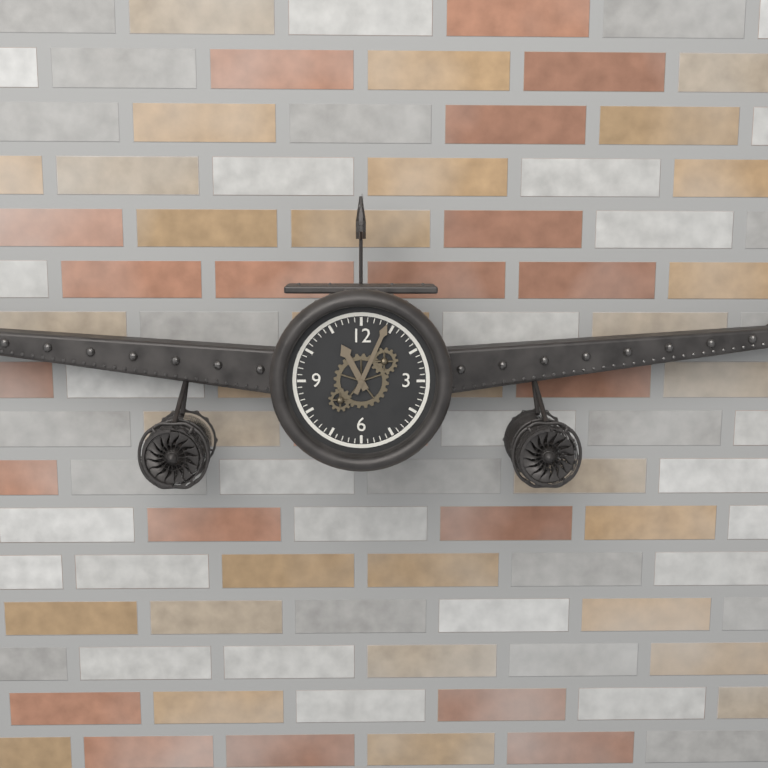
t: 11:04
